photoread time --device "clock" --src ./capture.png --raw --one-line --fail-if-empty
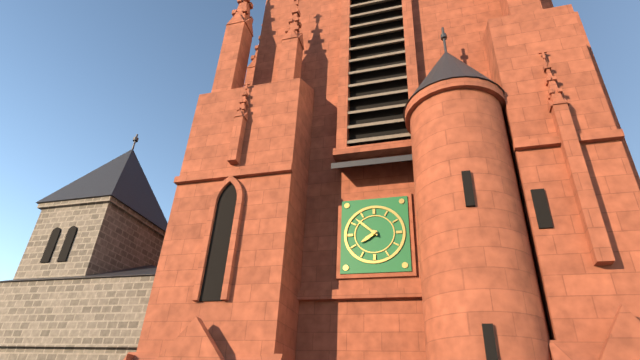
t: 7:52
